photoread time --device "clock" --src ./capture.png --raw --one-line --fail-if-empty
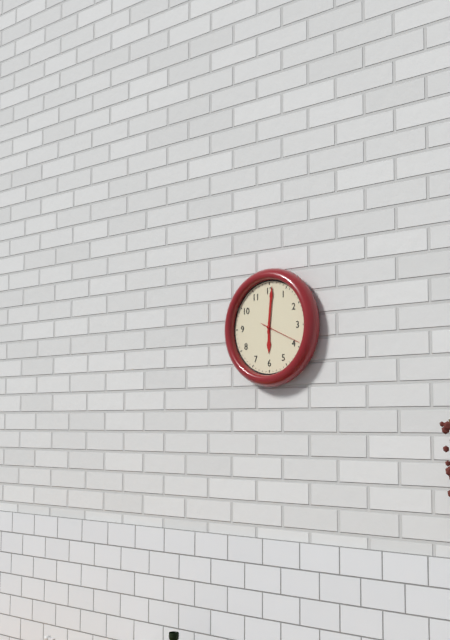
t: 6:01
